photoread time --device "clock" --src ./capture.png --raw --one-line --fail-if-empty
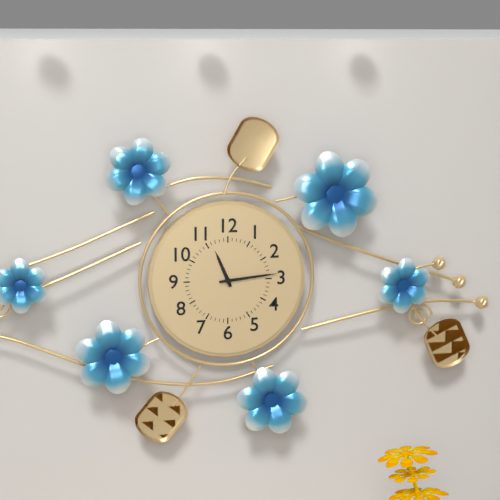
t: 11:14
